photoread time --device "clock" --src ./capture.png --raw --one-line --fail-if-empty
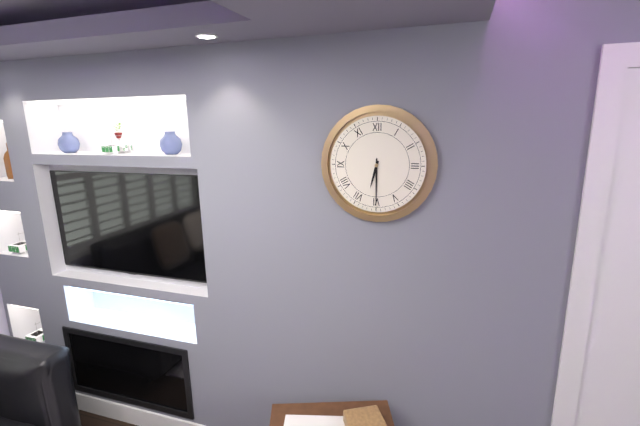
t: 6:30
